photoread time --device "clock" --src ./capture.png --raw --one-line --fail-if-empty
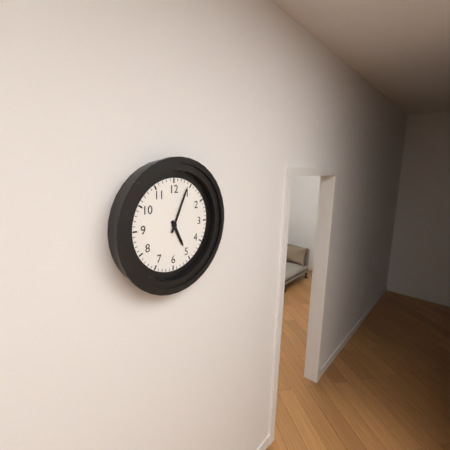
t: 5:04
